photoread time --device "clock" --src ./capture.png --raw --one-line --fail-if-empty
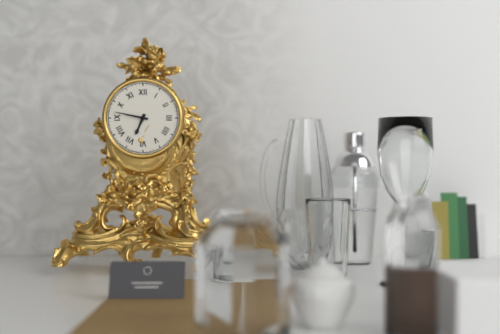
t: 6:47
